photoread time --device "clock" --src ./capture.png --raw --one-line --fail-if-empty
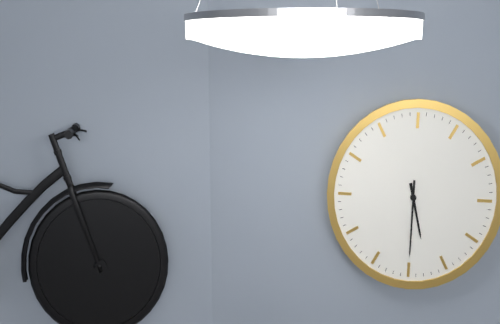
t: 5:30
